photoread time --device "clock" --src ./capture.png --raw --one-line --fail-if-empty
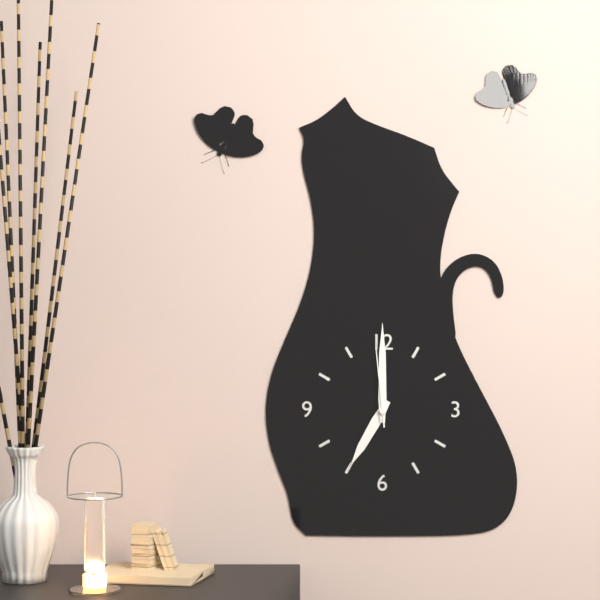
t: 7:00:59
